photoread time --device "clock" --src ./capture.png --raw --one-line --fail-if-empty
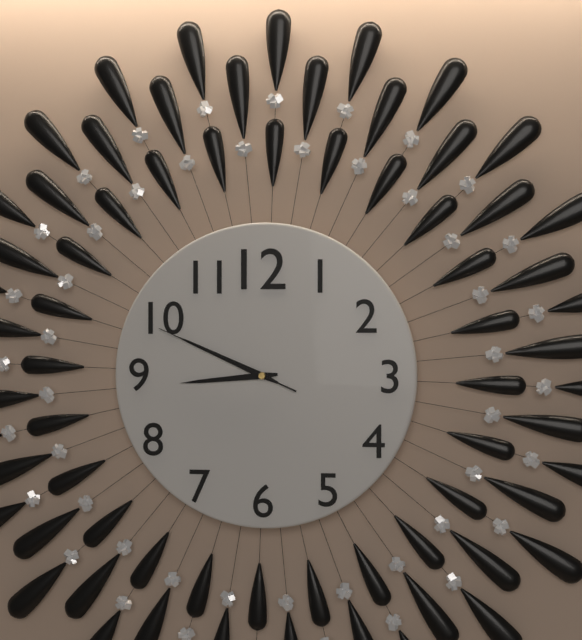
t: 8:49:49
